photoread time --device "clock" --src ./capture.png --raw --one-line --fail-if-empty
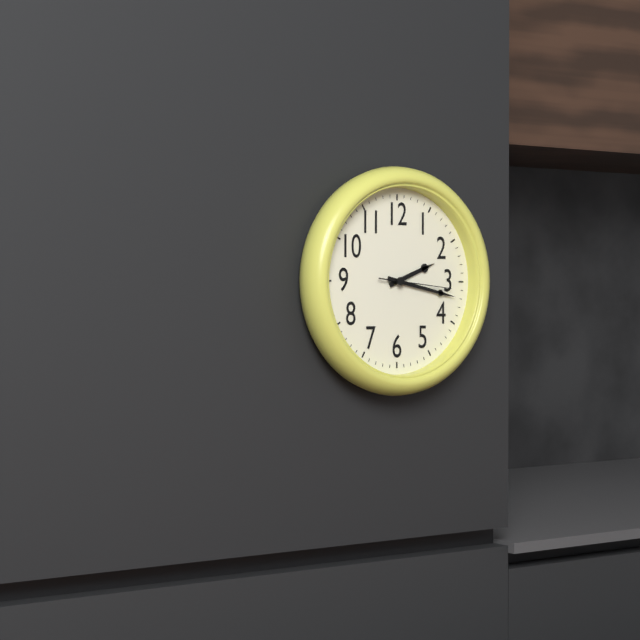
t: 2:17:16
